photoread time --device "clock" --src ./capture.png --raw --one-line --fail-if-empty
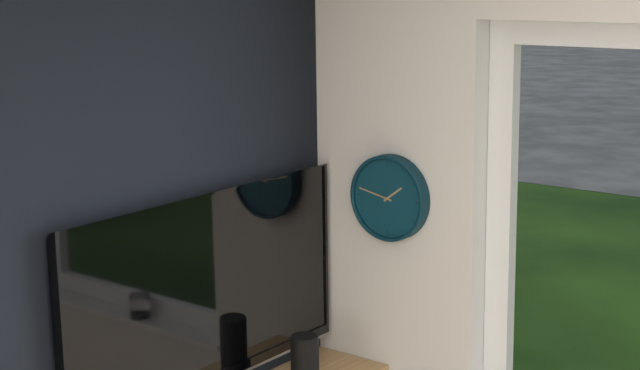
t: 1:47
